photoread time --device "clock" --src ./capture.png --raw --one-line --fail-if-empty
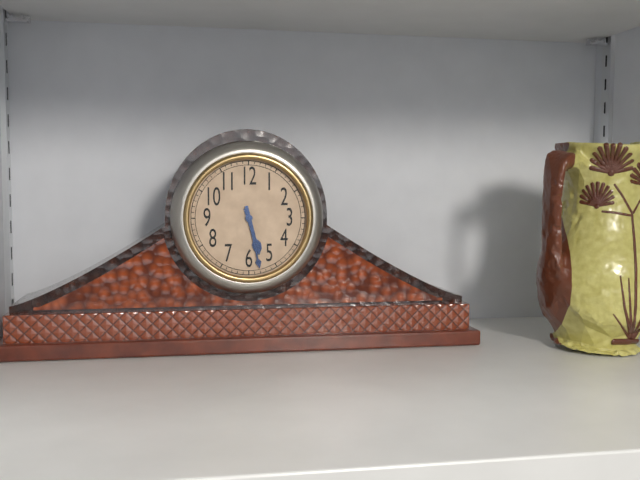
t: 5:28
